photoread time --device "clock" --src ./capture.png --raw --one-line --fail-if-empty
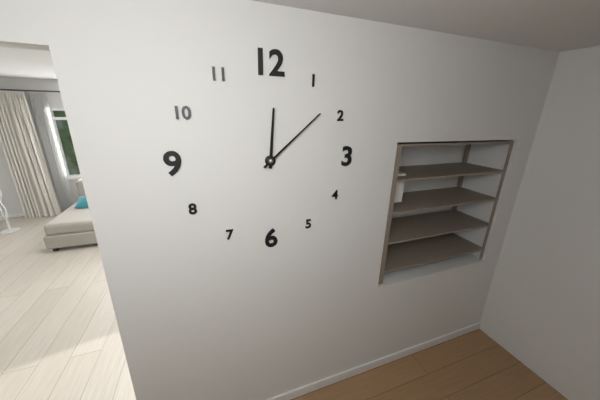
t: 12:08
